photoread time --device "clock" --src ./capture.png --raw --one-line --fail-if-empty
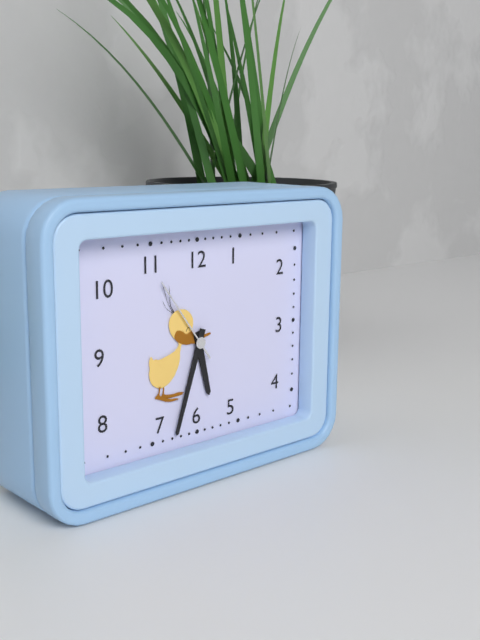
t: 5:33:54
